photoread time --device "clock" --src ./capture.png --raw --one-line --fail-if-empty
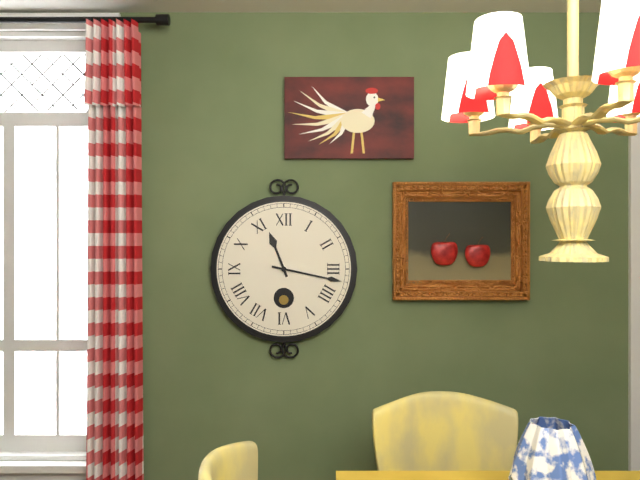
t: 11:17
